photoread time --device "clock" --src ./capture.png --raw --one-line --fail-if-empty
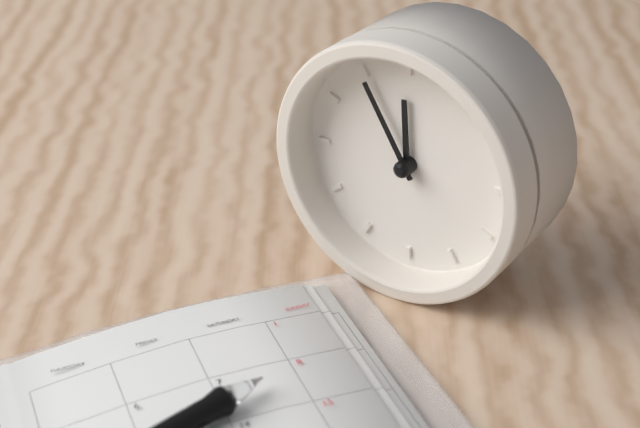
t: 11:55
